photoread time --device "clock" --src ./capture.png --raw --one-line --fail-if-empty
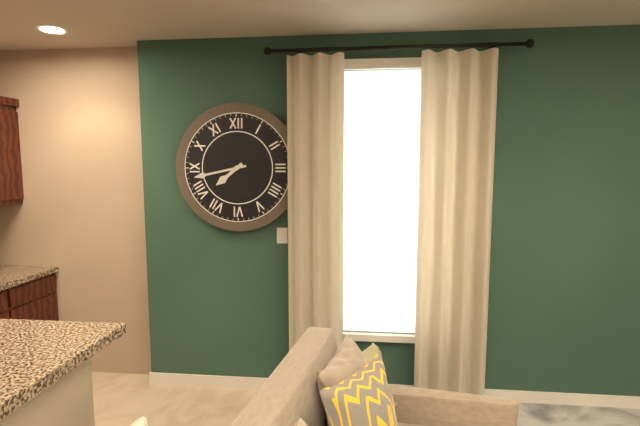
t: 7:43
